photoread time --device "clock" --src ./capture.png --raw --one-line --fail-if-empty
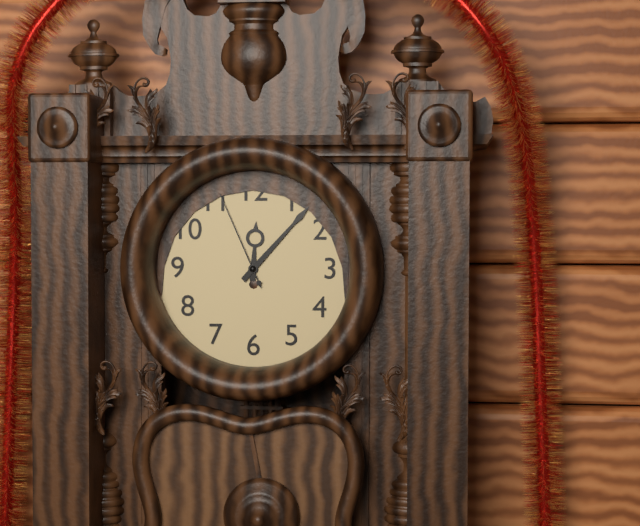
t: 12:07:56
